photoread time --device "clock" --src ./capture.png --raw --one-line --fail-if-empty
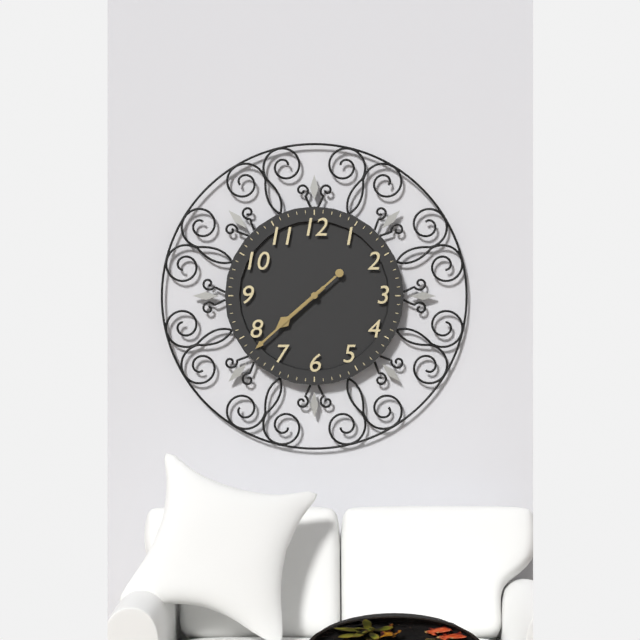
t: 7:38
